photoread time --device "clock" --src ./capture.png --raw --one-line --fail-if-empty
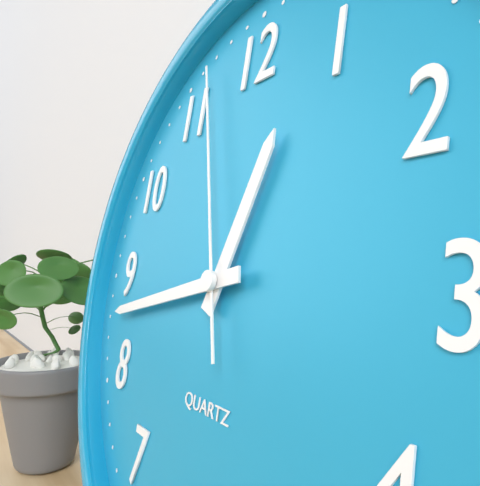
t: 12:43:57
